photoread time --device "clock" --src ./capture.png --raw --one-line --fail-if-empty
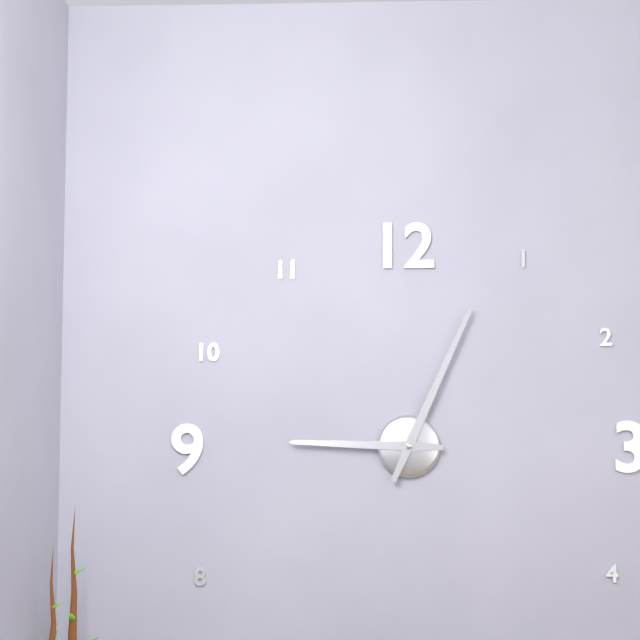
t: 9:04
